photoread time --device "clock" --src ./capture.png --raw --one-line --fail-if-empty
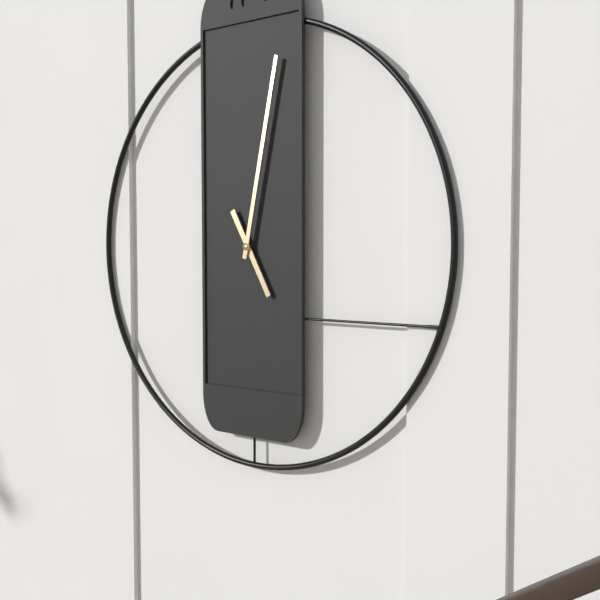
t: 5:02
